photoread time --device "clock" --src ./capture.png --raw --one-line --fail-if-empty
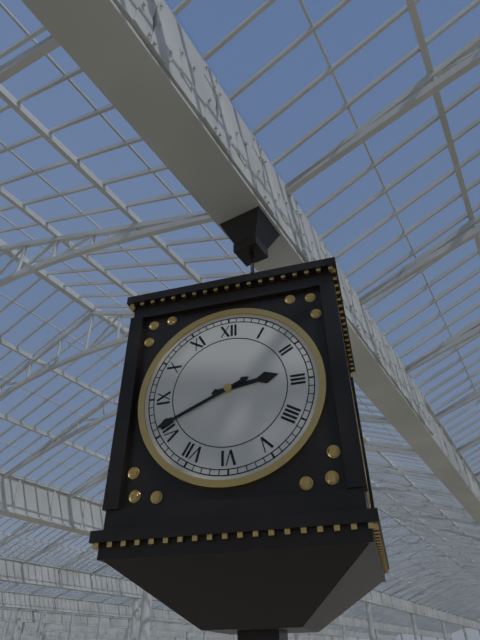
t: 2:41
